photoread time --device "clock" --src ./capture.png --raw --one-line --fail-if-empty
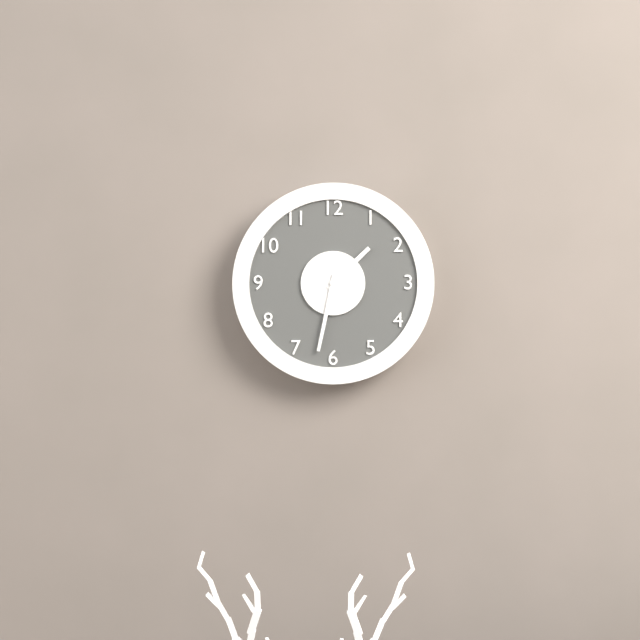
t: 1:32
